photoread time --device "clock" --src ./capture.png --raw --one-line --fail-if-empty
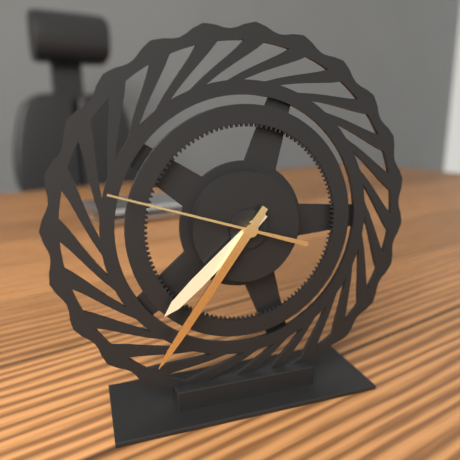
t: 7:36:48
